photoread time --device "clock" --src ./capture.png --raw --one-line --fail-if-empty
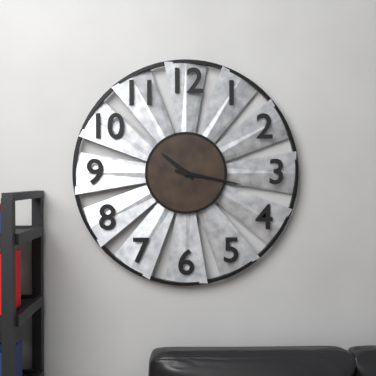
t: 10:17
